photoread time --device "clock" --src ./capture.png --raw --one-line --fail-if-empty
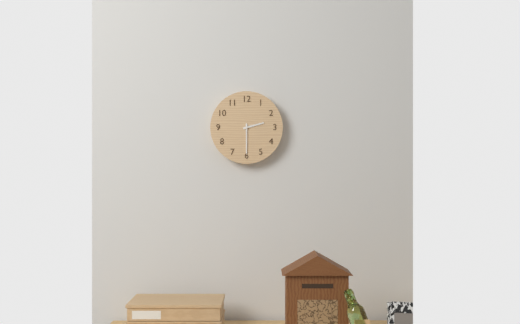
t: 2:30
